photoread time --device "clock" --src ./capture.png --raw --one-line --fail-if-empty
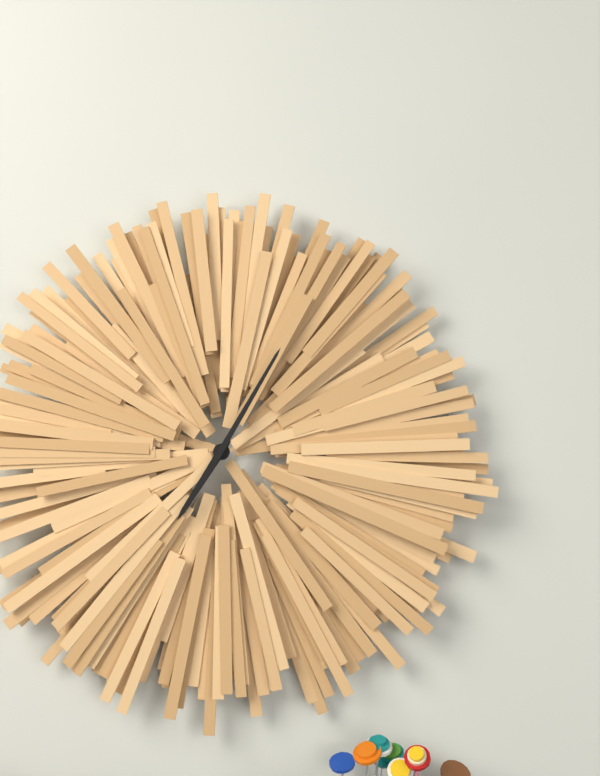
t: 7:05
